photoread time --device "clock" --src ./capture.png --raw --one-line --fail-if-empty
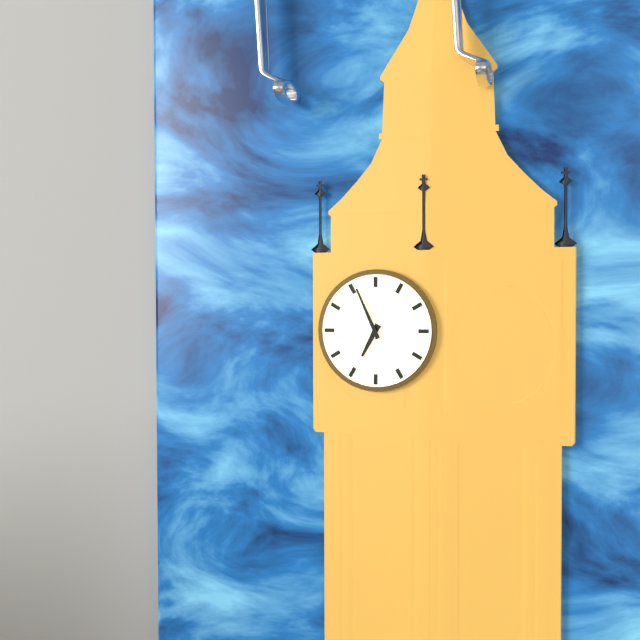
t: 6:56
